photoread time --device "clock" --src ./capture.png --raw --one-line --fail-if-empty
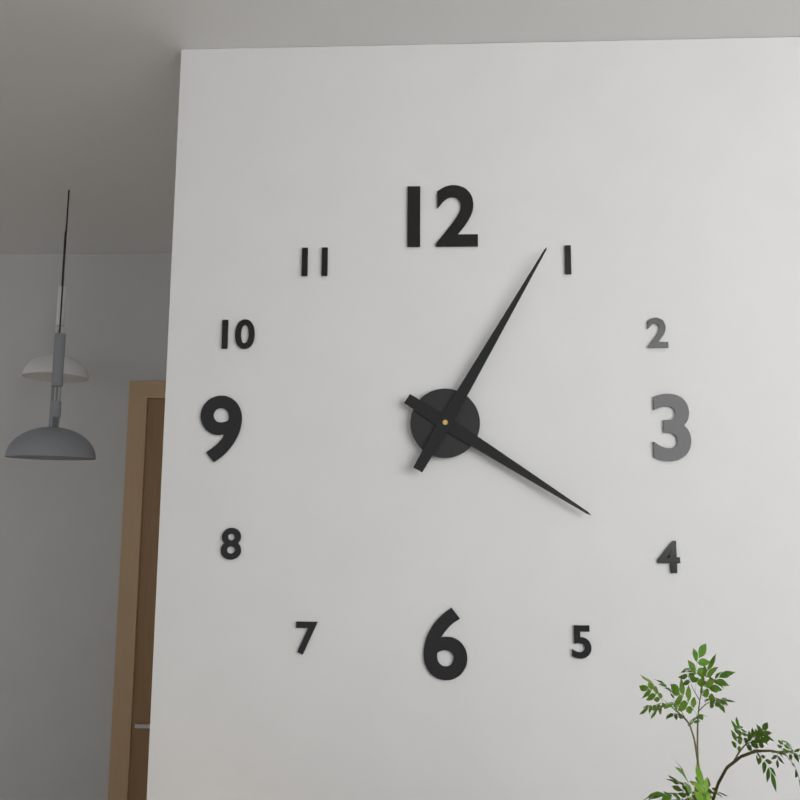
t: 4:05
